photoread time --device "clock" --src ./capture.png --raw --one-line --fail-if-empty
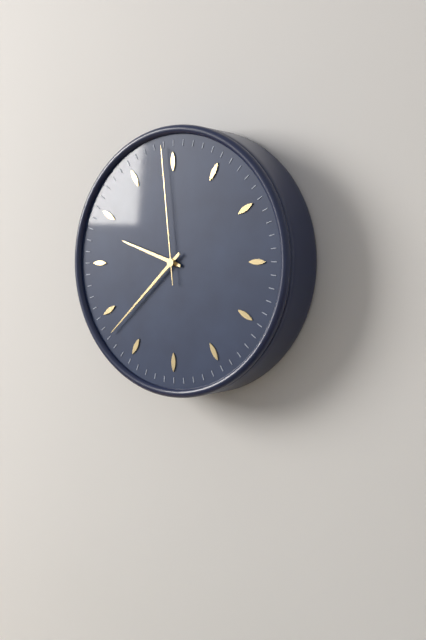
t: 9:38:59
